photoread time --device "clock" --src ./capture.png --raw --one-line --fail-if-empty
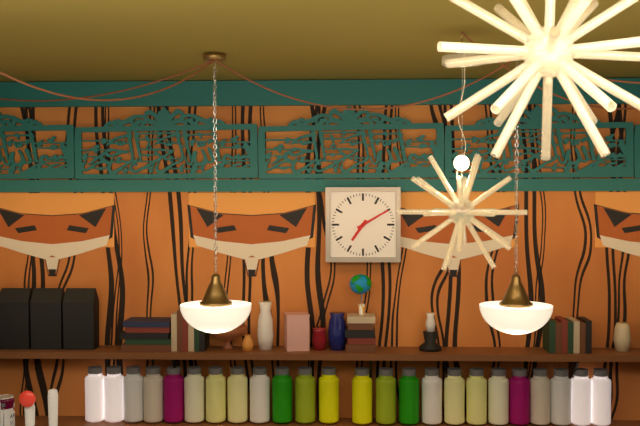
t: 7:10
